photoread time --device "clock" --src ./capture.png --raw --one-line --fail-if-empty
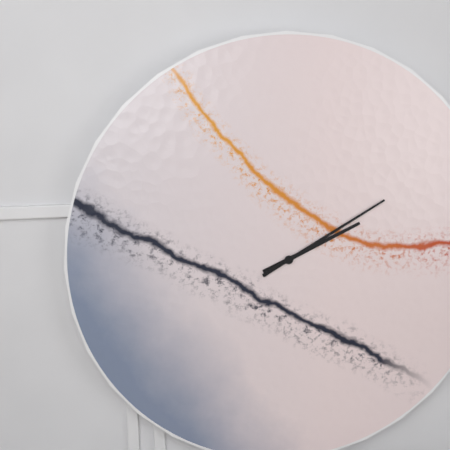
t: 2:10
